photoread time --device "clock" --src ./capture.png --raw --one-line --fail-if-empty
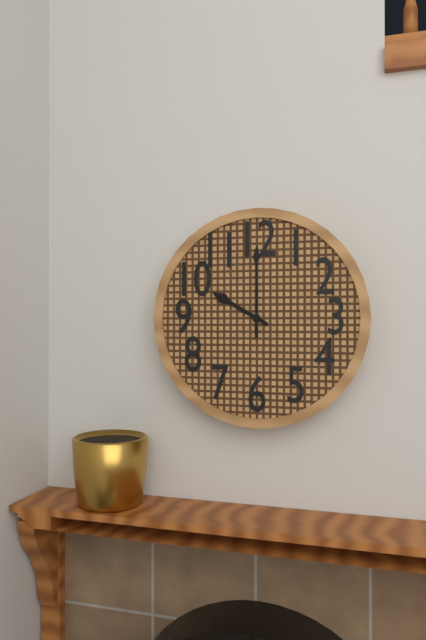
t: 10:00
